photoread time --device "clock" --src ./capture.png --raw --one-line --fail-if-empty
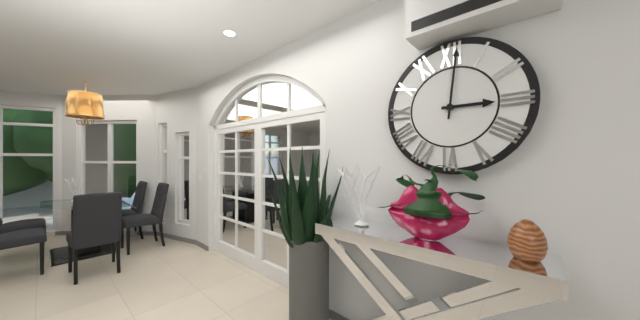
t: 3:01
